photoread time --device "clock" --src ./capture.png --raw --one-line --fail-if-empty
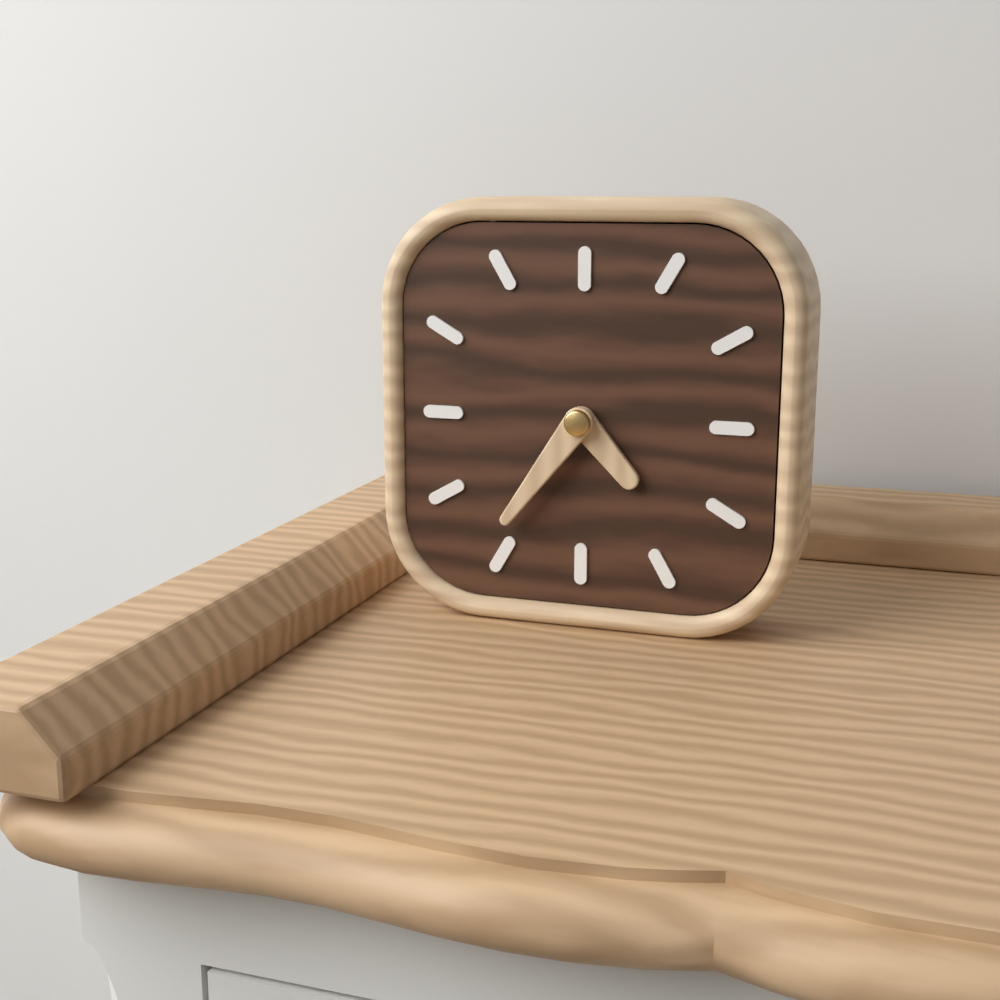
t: 4:36
